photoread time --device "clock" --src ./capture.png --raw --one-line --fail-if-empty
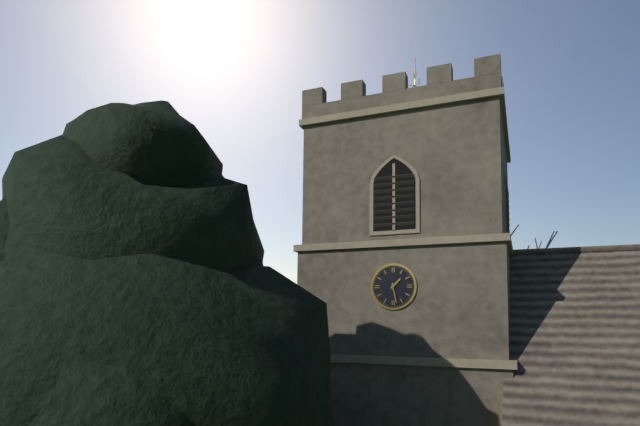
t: 1:28
